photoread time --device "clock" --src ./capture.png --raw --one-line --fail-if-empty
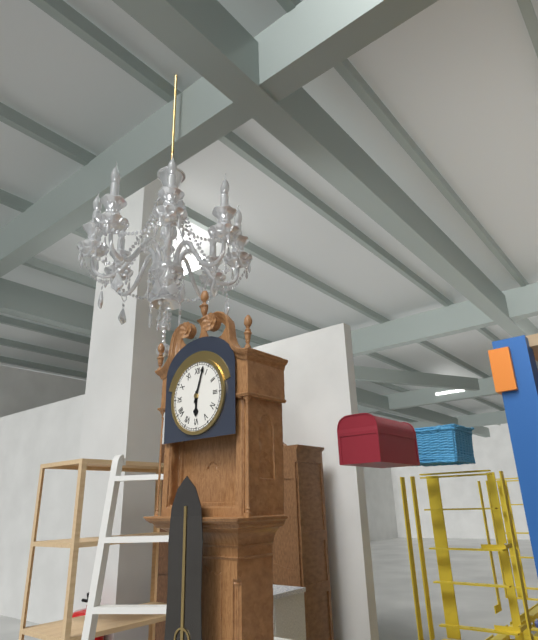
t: 6:03
